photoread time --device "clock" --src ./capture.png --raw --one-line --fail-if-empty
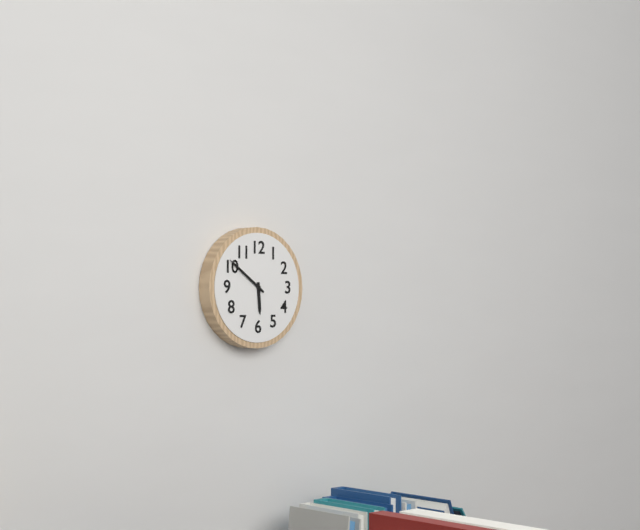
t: 5:51
